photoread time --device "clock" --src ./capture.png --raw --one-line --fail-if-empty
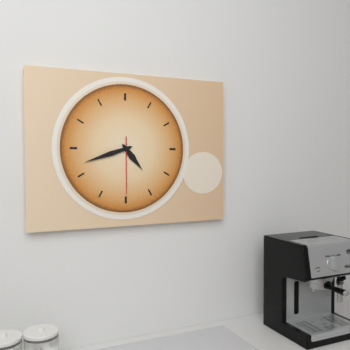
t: 4:42:30
